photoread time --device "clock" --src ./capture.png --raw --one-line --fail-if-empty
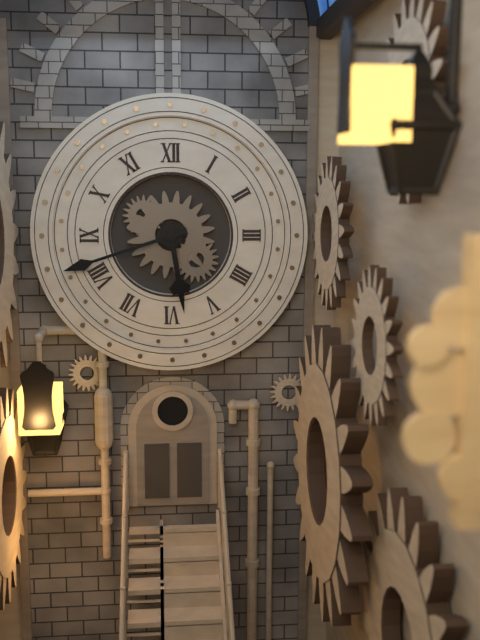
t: 5:42
